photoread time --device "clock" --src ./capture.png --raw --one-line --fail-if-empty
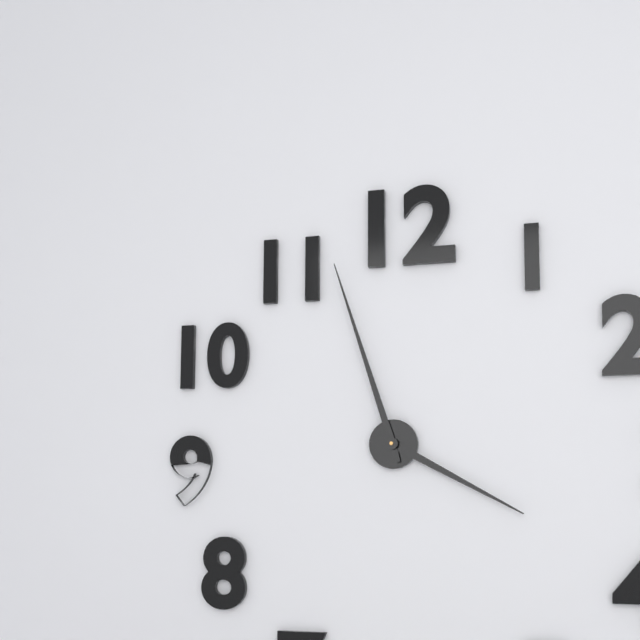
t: 3:57
